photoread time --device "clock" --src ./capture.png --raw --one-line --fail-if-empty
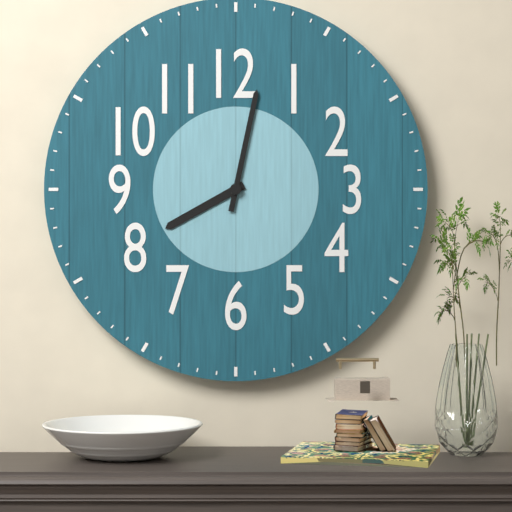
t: 8:02
